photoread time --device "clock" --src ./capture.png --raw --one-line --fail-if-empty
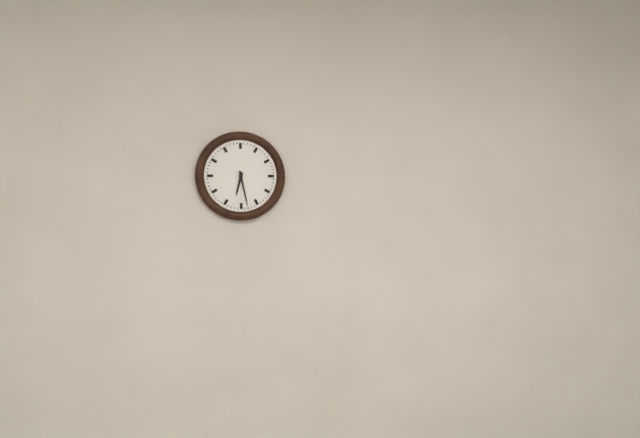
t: 6:28
